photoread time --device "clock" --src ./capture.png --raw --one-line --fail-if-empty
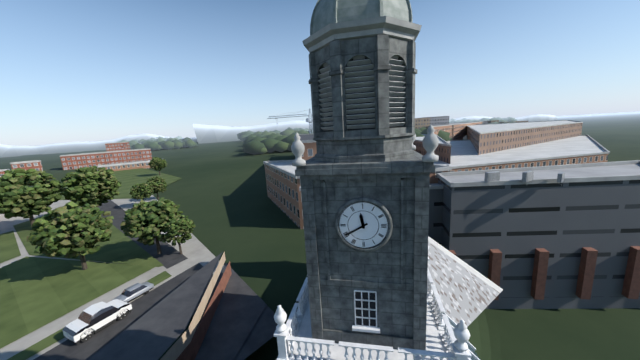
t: 11:40
